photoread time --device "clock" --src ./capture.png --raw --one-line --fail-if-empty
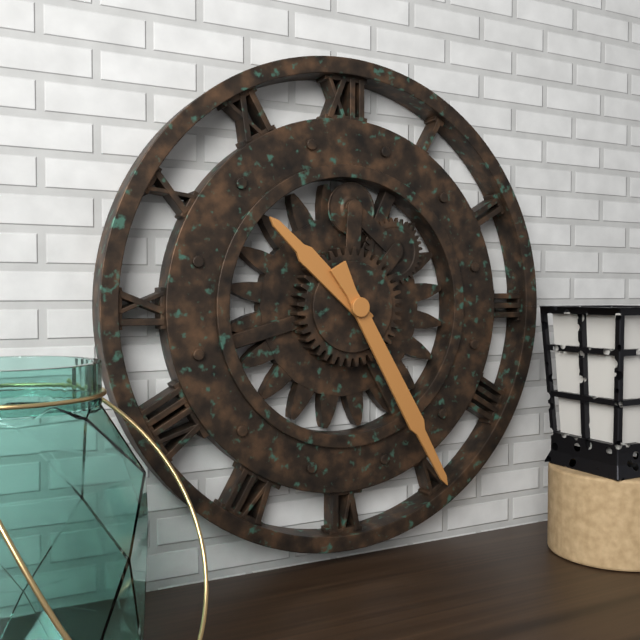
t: 10:25
